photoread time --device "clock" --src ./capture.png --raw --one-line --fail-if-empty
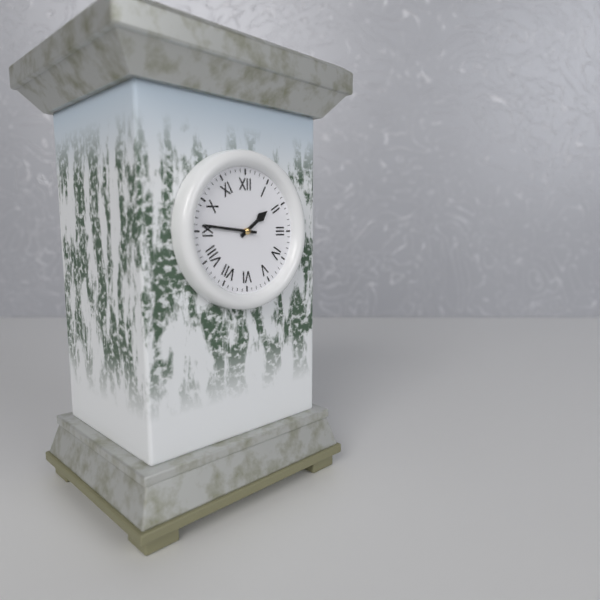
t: 1:46
